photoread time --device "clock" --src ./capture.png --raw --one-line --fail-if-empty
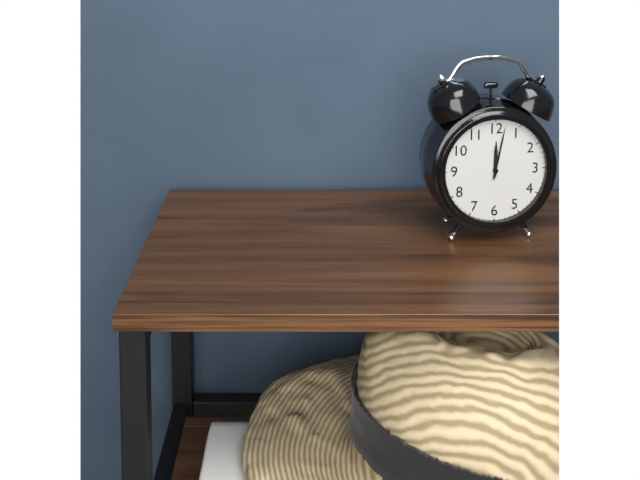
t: 12:02
